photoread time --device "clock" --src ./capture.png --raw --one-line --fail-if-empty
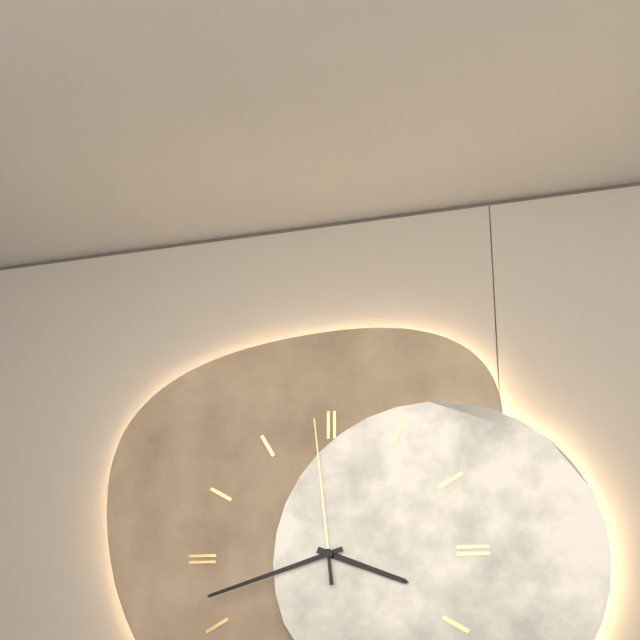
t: 3:42:59
